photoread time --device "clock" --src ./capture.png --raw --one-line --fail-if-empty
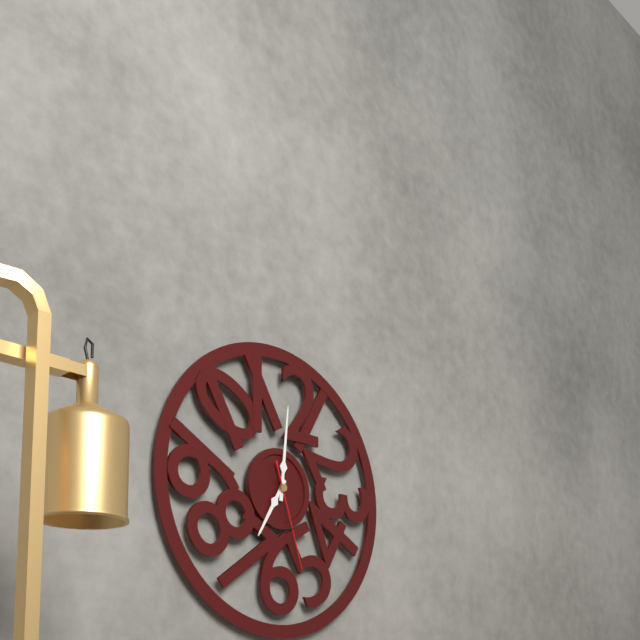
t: 7:01:27
